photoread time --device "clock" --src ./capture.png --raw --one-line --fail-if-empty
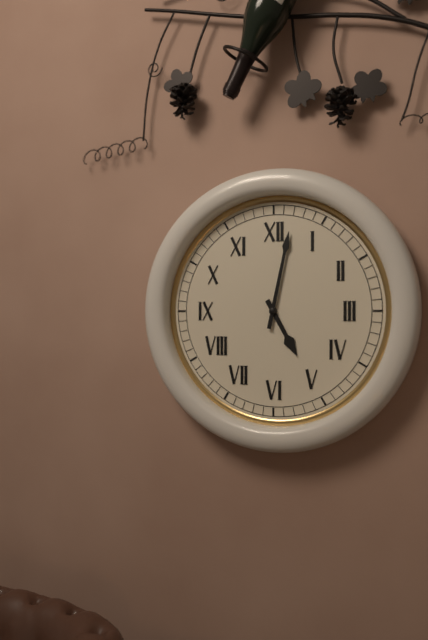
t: 5:02
